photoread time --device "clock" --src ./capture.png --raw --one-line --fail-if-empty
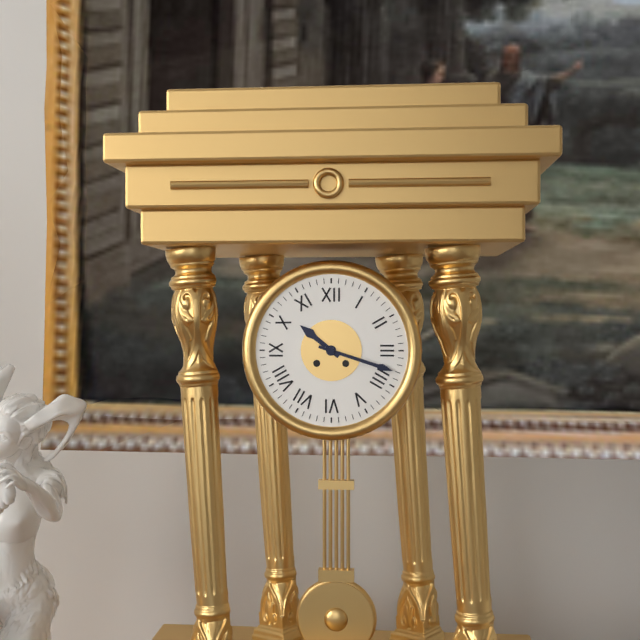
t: 10:18
